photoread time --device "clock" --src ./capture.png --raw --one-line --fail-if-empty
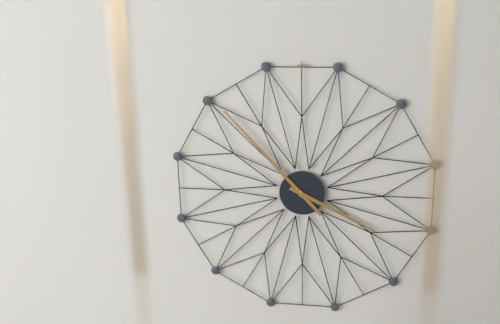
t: 3:53
